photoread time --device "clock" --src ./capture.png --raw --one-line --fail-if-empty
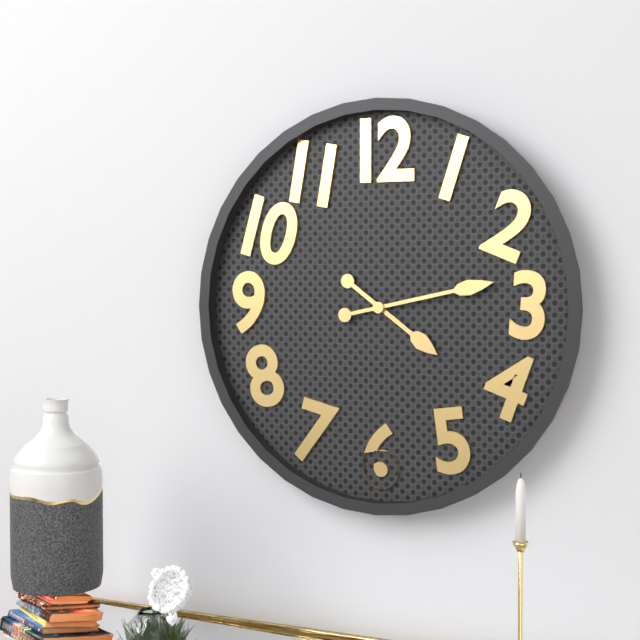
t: 4:13
